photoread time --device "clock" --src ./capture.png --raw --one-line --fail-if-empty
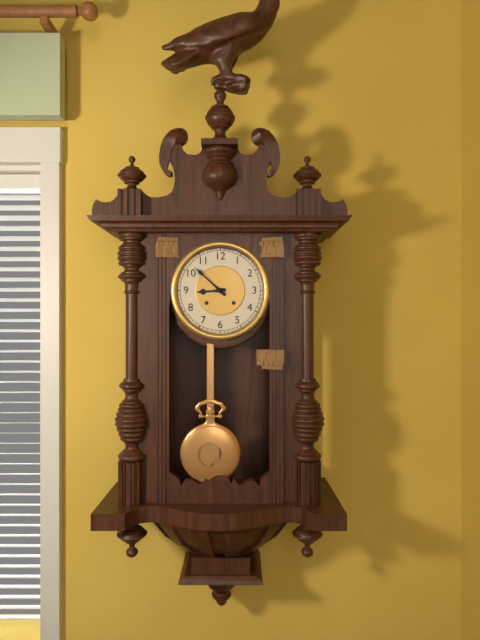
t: 8:52
